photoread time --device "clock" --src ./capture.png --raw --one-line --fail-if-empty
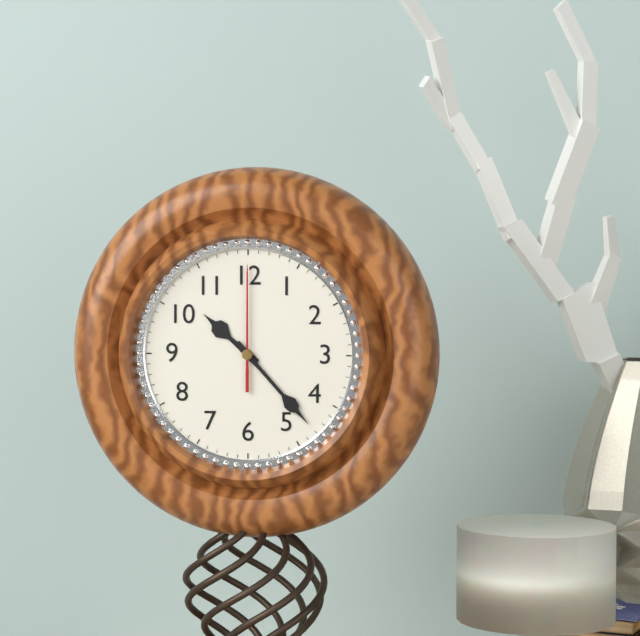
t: 10:23:00
